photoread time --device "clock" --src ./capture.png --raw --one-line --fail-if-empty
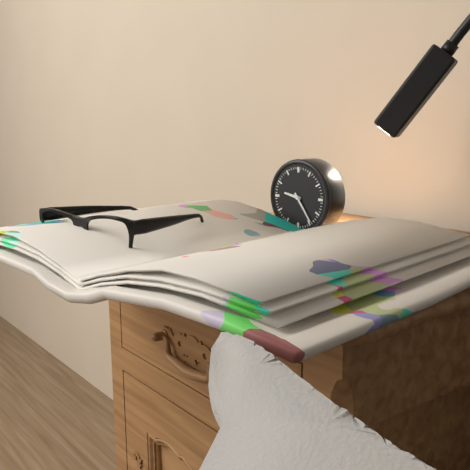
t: 9:24
